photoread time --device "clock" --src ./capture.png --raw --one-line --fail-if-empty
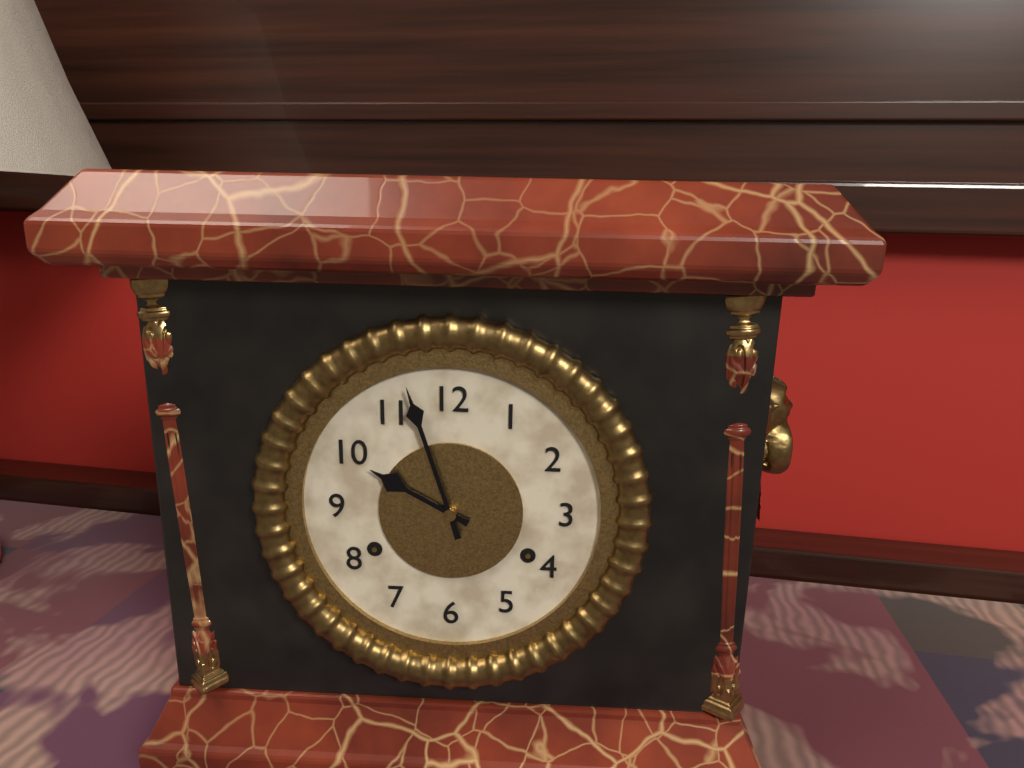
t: 9:57
